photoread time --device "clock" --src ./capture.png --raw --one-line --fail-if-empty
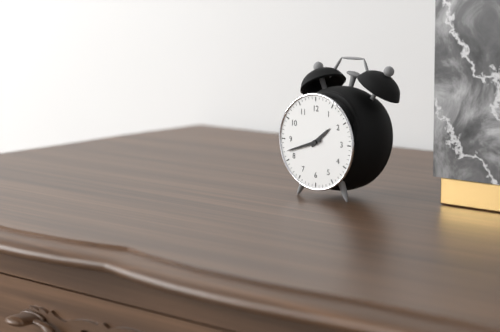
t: 1:42
